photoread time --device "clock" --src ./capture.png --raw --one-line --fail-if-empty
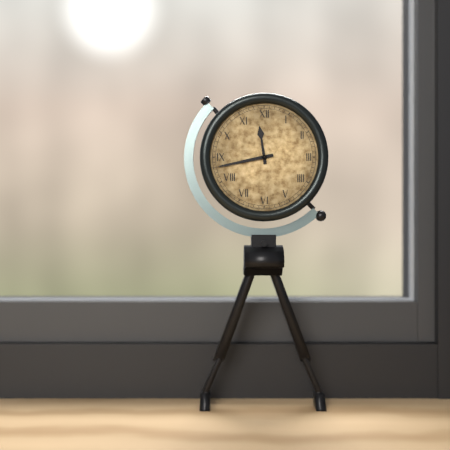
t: 11:43
